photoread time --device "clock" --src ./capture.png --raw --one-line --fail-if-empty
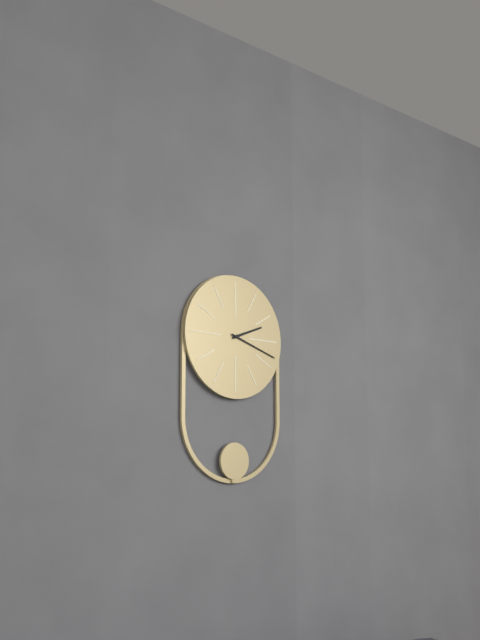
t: 2:18
